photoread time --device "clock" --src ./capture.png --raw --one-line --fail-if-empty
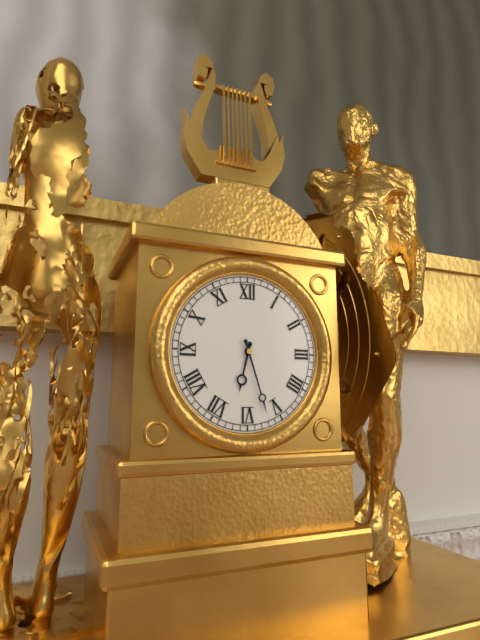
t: 6:27
